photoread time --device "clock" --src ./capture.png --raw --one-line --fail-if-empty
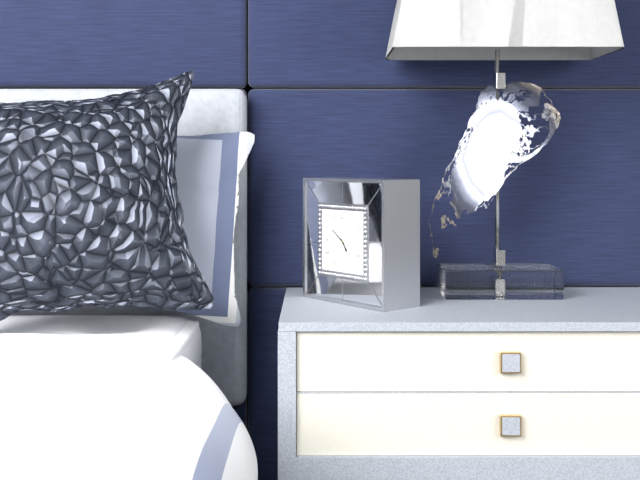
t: 4:51
